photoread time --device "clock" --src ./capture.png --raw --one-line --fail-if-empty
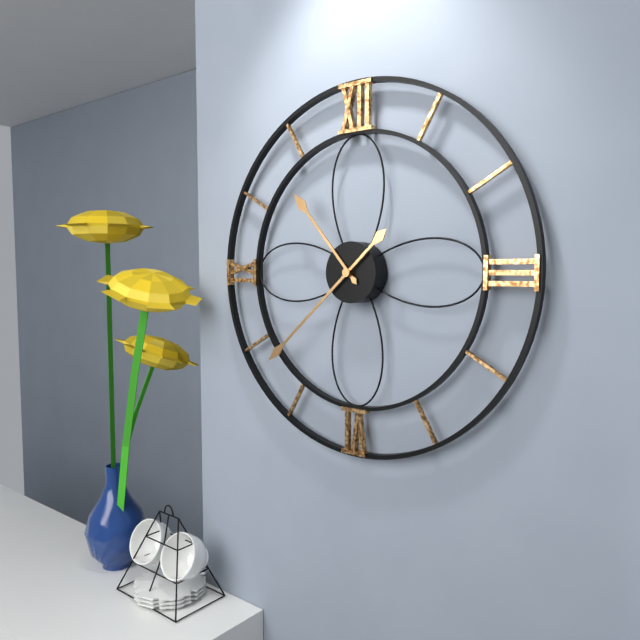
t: 10:38
